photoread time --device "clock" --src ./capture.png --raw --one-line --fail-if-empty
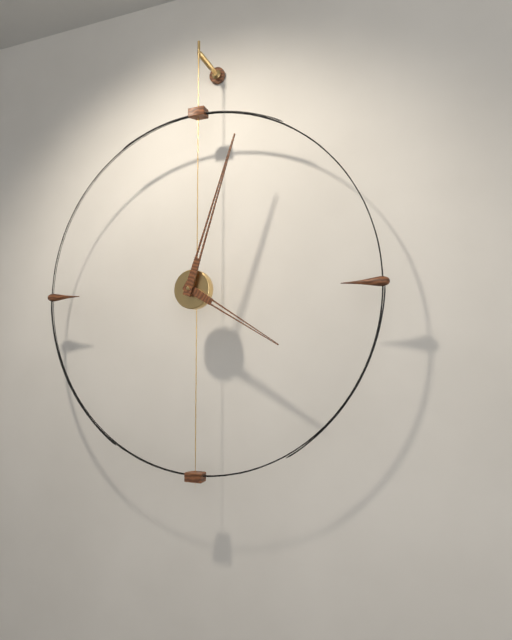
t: 4:03
